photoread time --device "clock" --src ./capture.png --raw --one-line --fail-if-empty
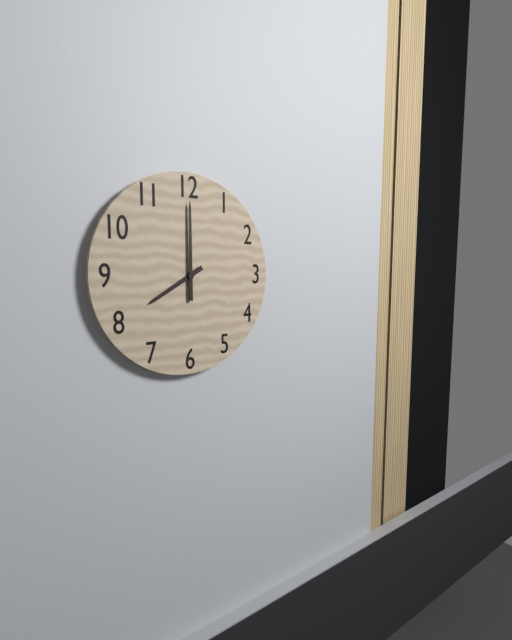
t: 8:00
